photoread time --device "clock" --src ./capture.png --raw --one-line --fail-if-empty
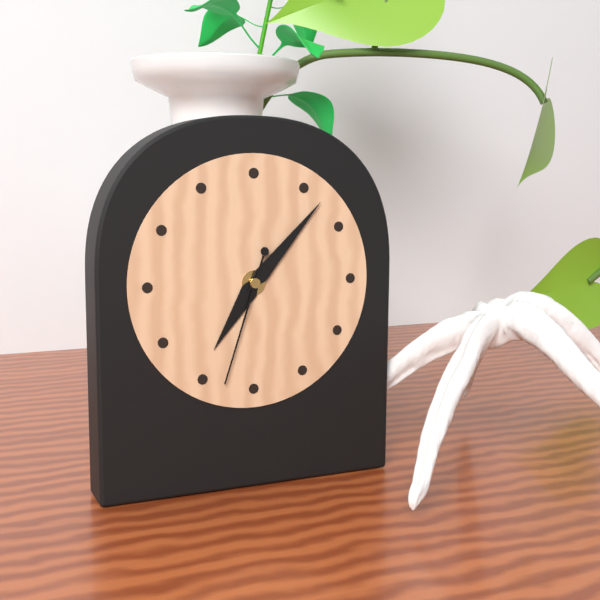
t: 7:07:33
